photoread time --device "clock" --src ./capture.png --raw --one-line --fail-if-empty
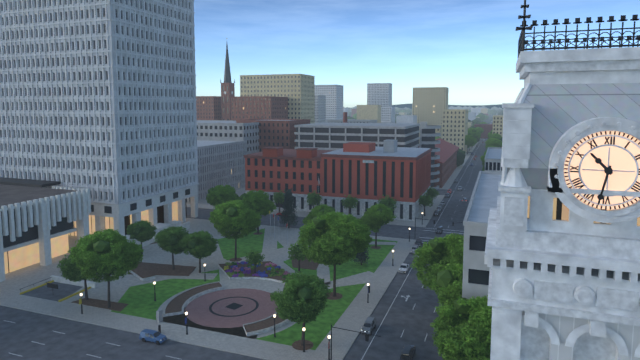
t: 10:32
